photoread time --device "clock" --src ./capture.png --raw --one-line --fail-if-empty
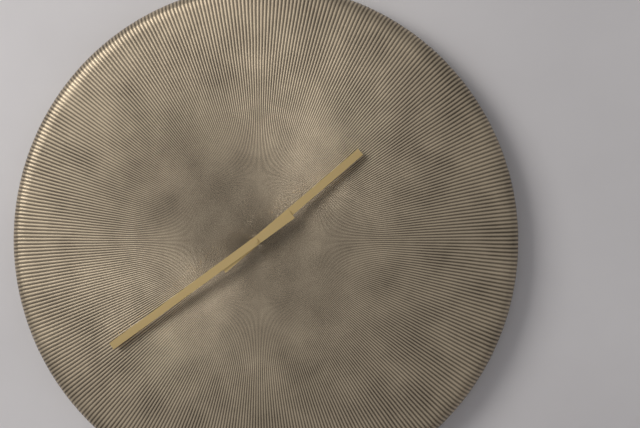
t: 1:39
